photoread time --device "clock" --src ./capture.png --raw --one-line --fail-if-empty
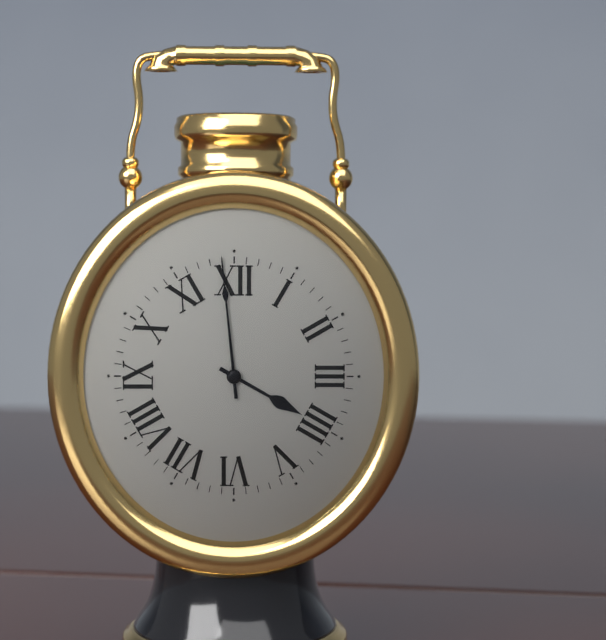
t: 3:59
